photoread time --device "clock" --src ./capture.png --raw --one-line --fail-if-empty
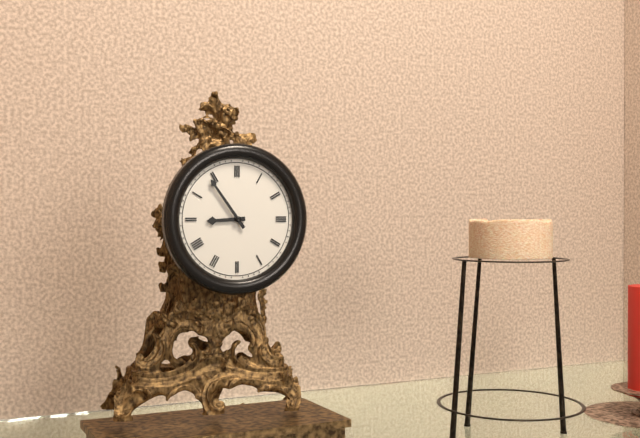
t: 8:54
